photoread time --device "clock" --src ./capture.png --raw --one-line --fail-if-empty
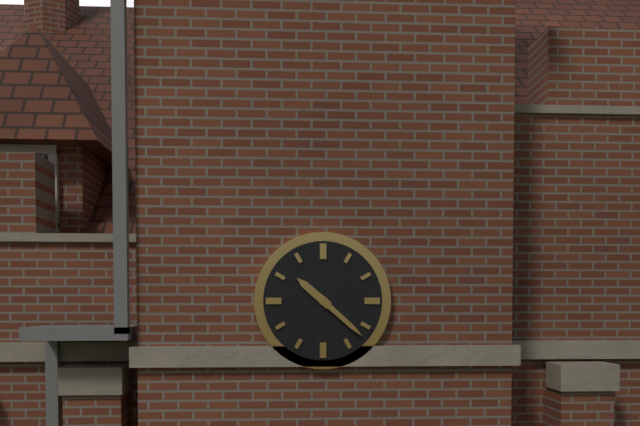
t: 10:22
